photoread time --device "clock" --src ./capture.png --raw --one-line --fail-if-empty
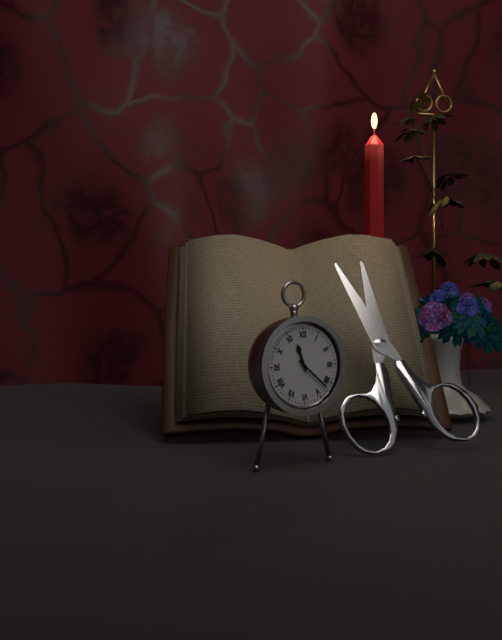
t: 11:22
